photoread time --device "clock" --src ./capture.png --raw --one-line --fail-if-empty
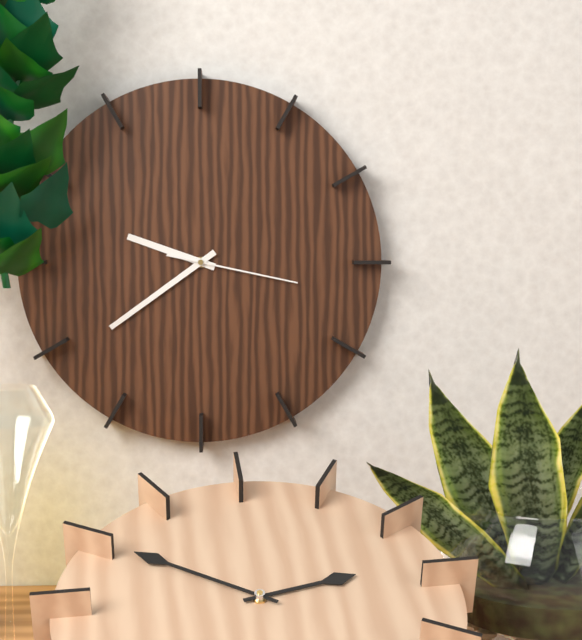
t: 9:39:17
